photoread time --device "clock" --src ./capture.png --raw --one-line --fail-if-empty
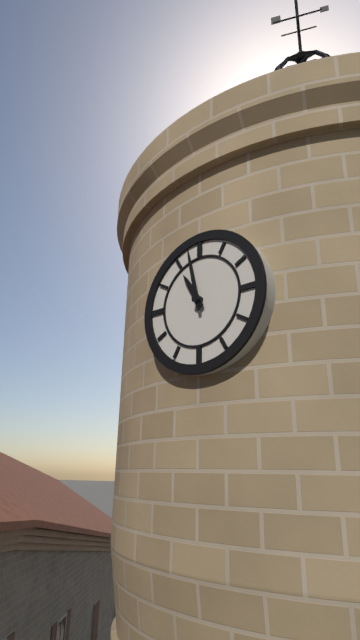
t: 10:58
